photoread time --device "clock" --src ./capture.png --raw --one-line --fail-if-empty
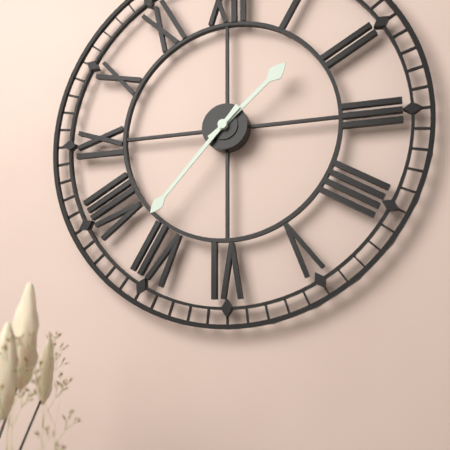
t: 1:37
